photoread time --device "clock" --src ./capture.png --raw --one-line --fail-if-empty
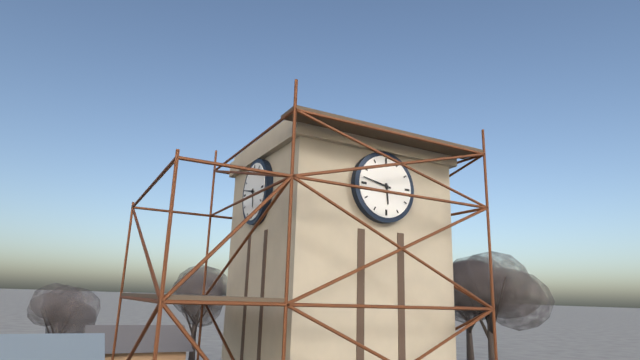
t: 5:47
